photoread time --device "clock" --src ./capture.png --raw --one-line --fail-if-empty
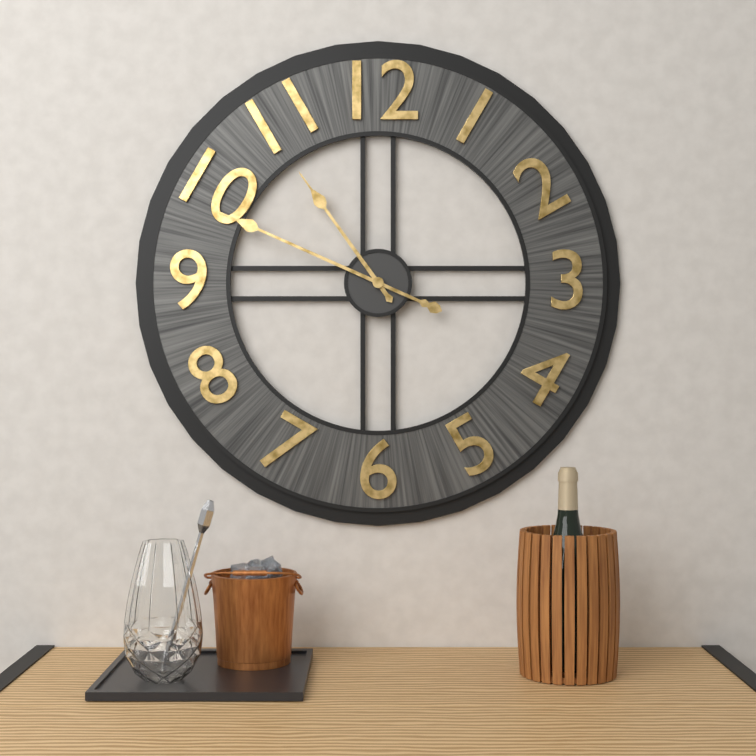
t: 10:49
